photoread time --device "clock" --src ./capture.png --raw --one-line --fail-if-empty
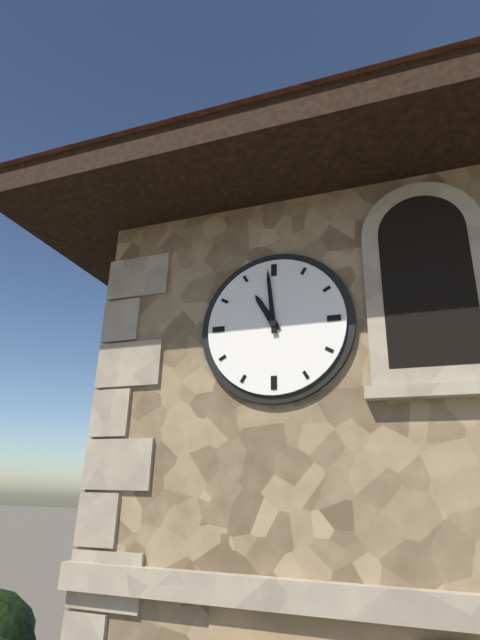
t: 10:59
